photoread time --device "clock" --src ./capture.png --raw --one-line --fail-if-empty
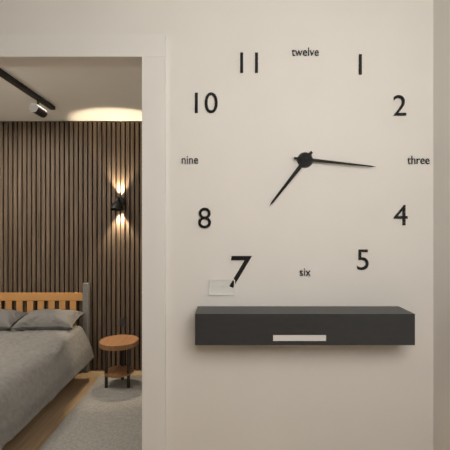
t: 7:16
